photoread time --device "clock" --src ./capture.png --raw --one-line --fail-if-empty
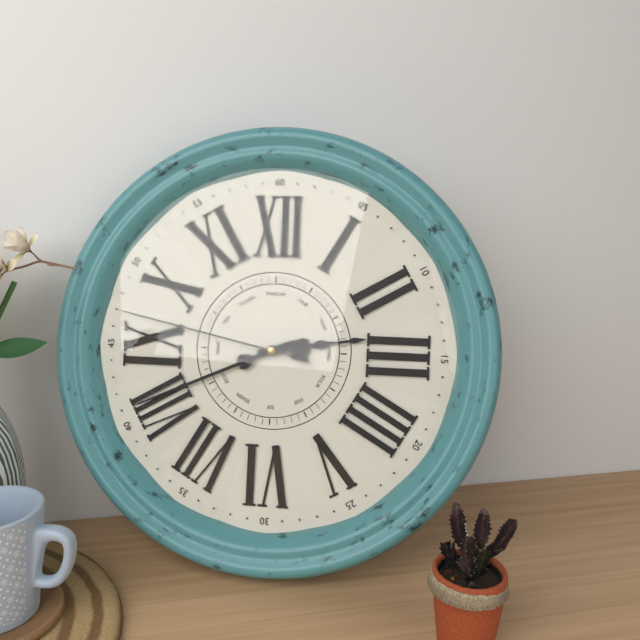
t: 2:41:47
